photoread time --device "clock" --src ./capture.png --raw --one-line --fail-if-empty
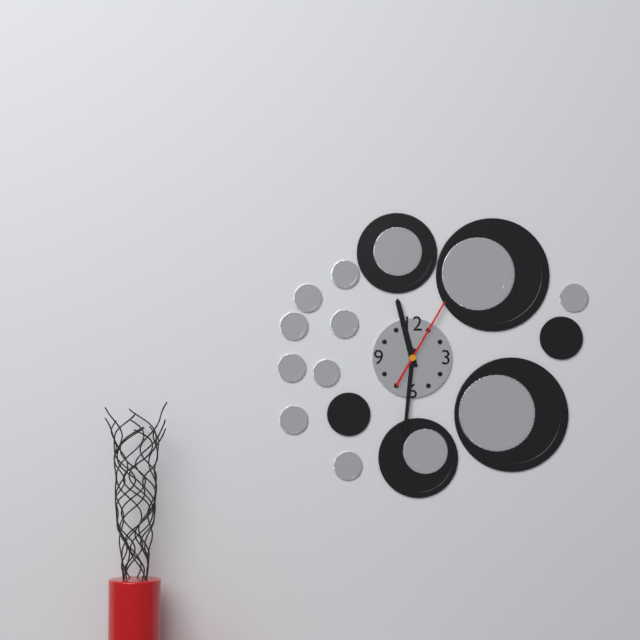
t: 11:31:05
